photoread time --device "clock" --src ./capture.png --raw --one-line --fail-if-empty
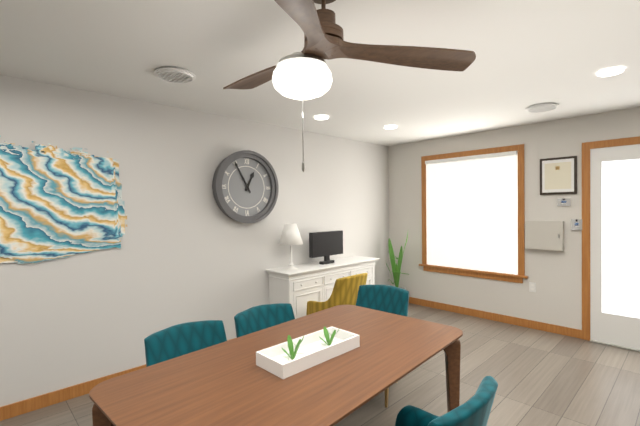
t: 12:55
